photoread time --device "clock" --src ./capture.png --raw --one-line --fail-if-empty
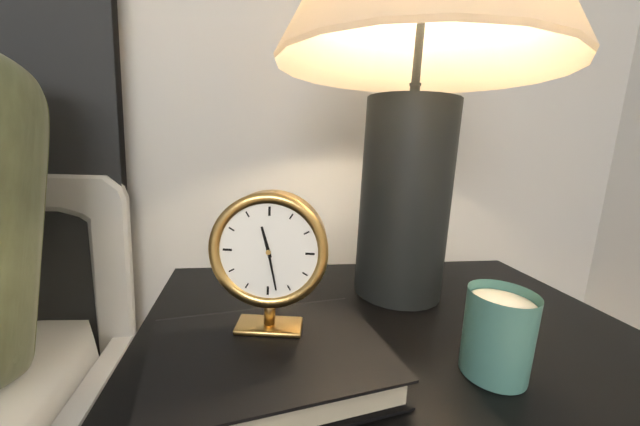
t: 11:28
